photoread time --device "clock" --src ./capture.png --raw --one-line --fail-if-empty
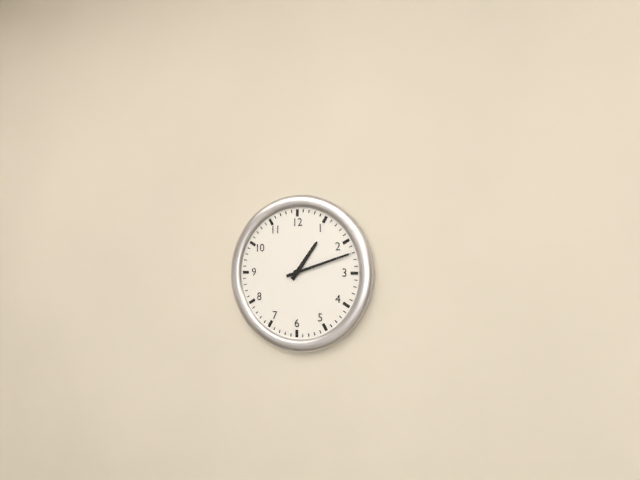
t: 1:12
